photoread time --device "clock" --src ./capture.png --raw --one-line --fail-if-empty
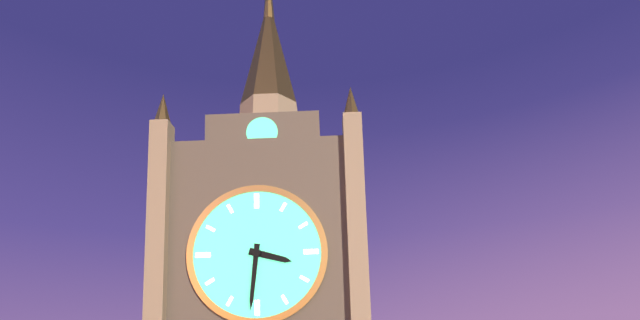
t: 3:31
